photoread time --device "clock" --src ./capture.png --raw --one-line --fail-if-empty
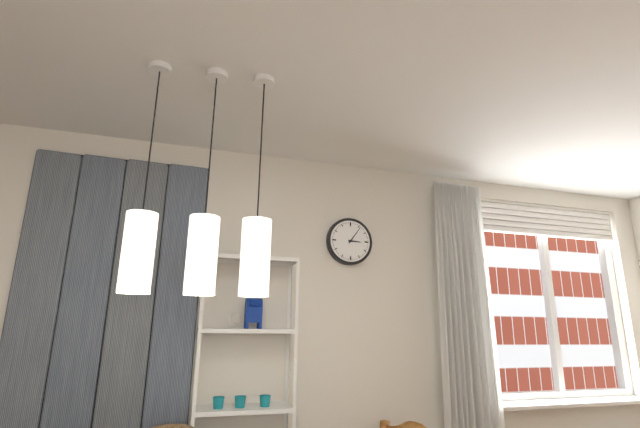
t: 3:06
